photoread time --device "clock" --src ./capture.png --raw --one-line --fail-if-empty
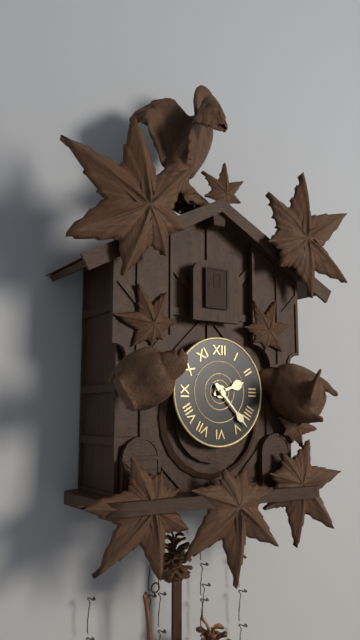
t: 2:23
